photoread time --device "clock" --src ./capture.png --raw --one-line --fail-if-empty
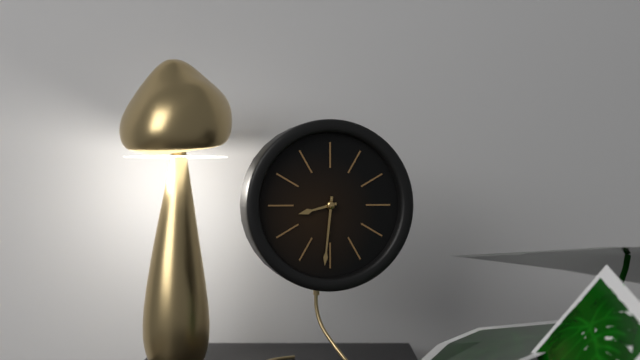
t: 8:31
